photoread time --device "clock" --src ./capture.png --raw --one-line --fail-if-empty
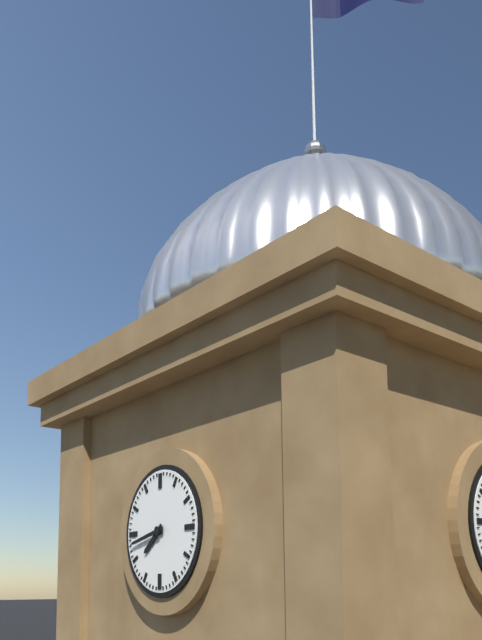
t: 7:43
